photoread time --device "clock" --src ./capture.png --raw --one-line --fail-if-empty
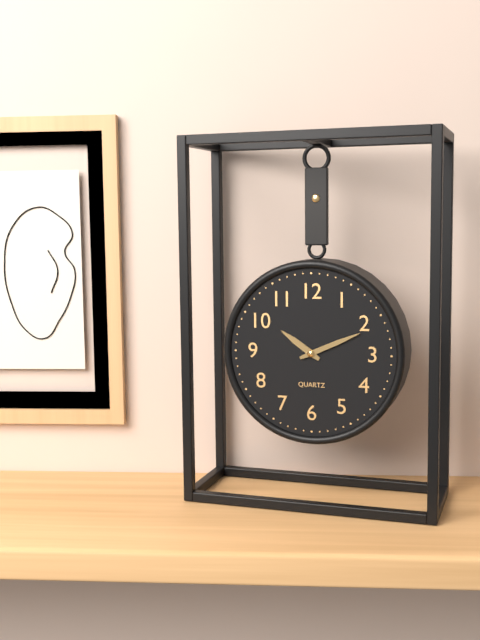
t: 10:11
